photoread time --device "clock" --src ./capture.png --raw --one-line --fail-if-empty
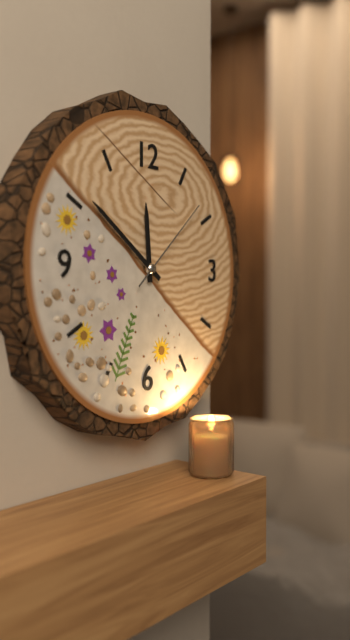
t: 11:51:08
